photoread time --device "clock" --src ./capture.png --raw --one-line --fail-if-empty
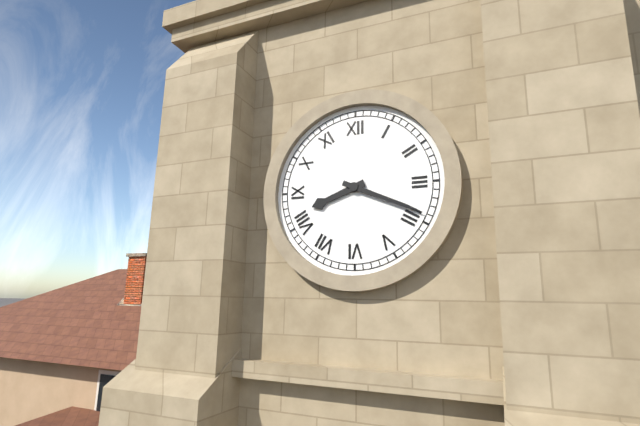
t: 8:19
